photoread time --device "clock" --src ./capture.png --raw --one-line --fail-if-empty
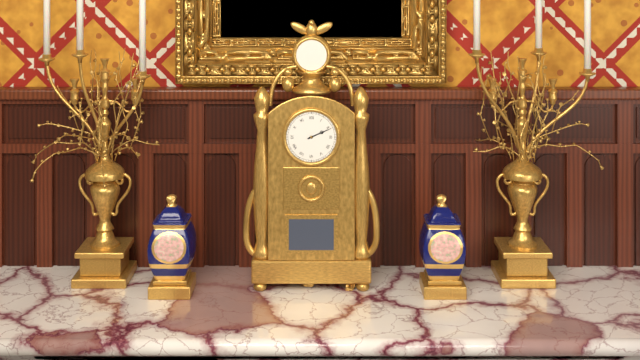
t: 2:11
